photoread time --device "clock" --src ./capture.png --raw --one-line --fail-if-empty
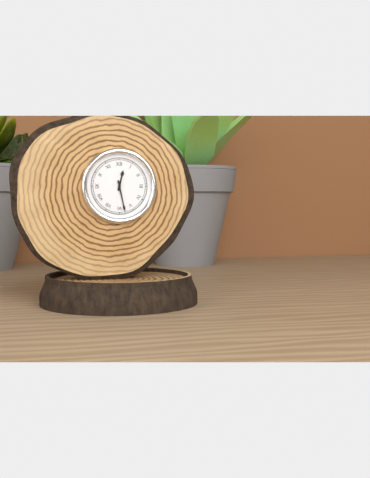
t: 12:28
